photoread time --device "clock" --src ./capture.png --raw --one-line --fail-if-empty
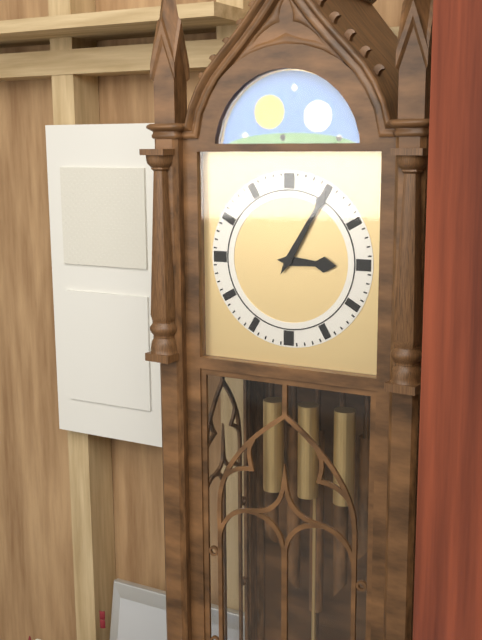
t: 3:05
